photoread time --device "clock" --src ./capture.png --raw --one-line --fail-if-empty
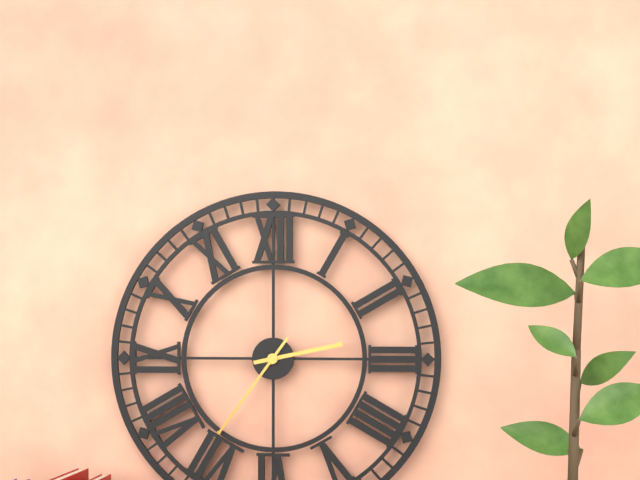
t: 2:36
